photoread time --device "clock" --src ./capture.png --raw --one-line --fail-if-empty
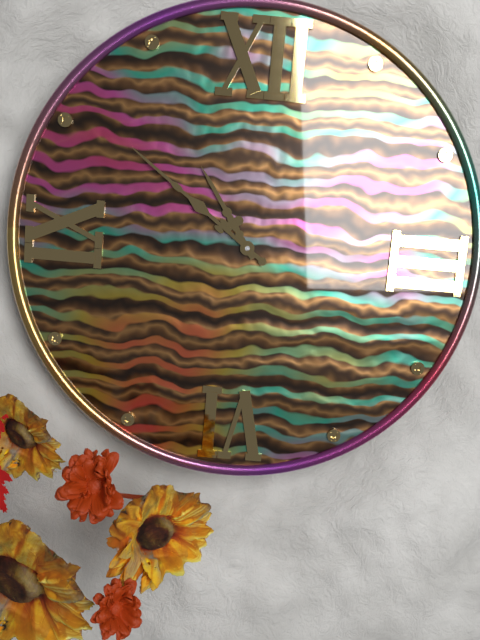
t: 10:51
